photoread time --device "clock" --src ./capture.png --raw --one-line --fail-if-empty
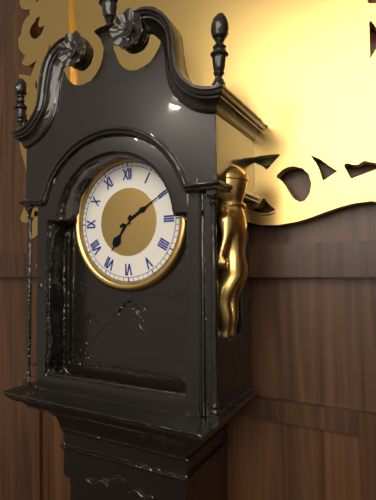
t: 7:10
